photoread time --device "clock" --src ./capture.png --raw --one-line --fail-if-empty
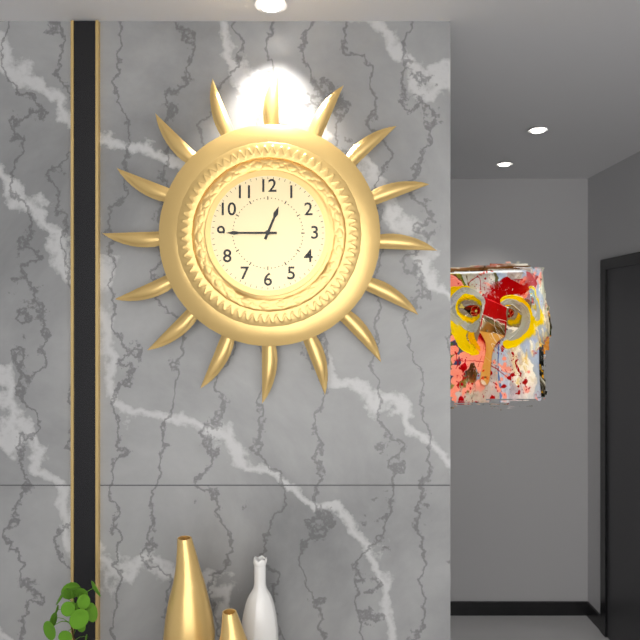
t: 12:45
